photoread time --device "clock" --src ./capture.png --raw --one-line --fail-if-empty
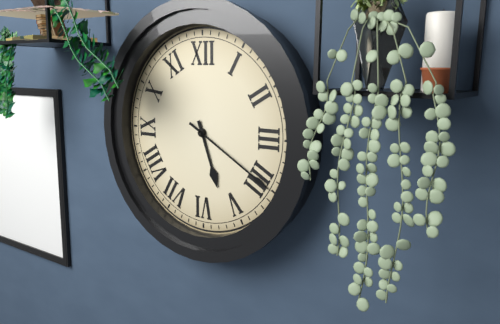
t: 5:20
